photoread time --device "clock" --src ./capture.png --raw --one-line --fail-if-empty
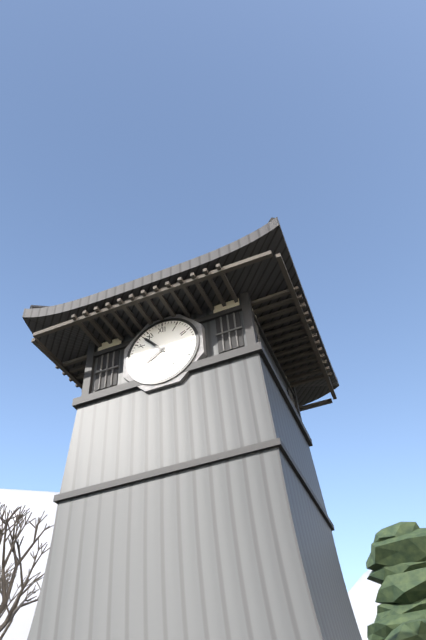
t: 7:53
